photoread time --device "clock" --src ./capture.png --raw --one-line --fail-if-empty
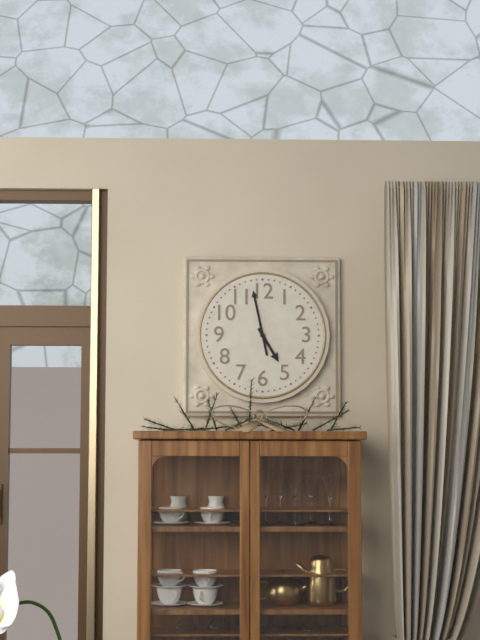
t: 4:58
